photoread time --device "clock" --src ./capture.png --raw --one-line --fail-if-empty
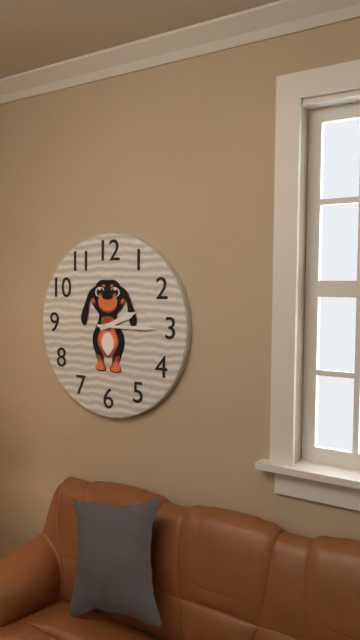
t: 2:15
